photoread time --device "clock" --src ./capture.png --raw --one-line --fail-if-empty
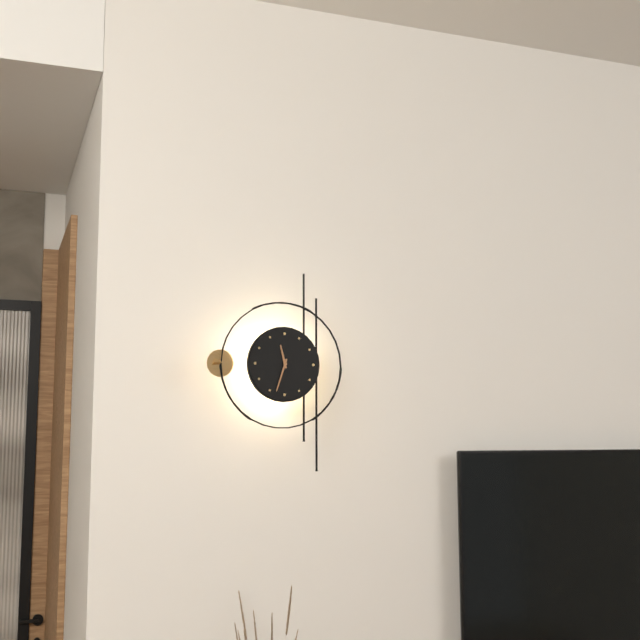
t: 11:33
